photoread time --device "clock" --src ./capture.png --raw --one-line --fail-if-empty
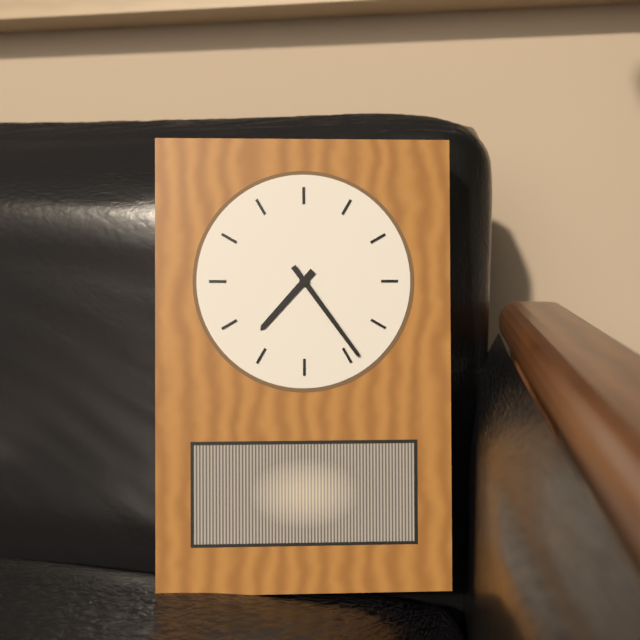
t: 7:24
